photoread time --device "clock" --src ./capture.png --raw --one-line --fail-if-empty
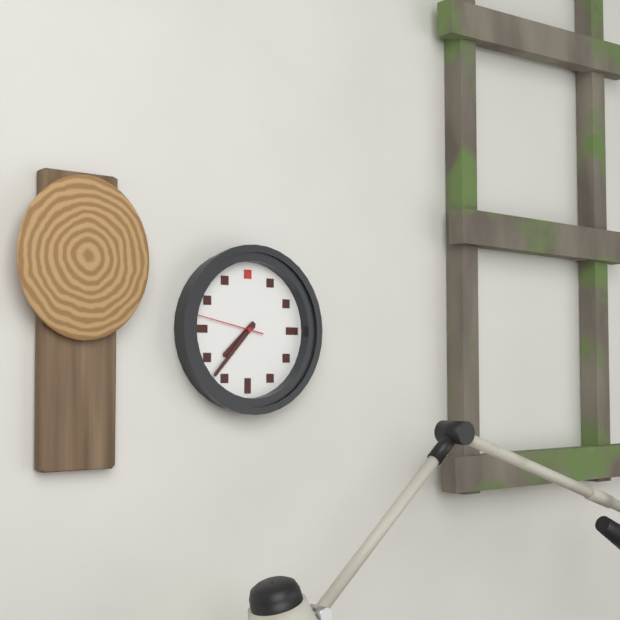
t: 7:37:47
